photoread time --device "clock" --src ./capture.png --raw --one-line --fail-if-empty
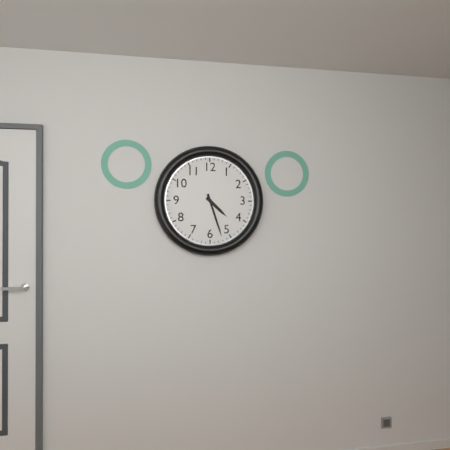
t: 4:27
